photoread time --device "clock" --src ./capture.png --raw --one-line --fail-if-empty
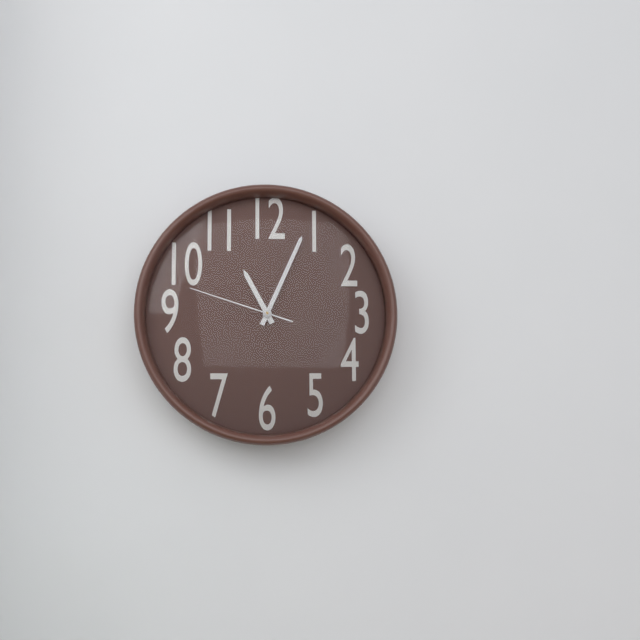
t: 11:04:48
